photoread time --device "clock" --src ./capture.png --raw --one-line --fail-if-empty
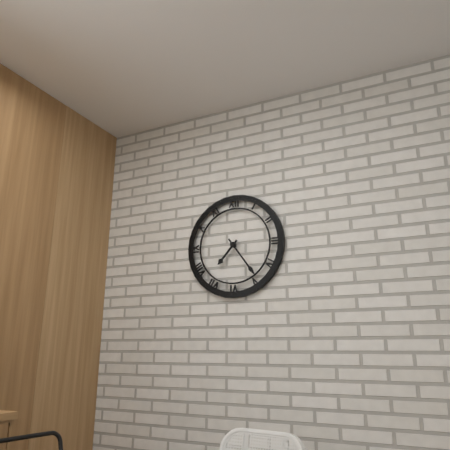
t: 7:24
